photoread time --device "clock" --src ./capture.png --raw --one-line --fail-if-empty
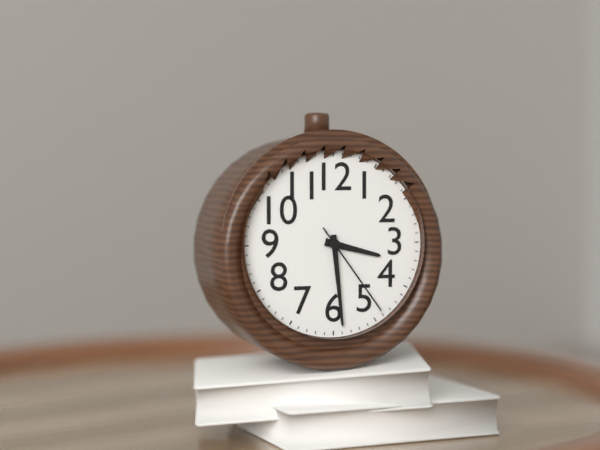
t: 3:29:24
